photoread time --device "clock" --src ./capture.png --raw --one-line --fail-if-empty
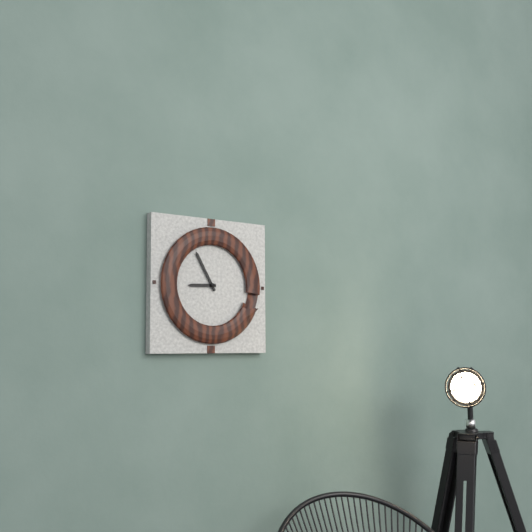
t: 8:55
